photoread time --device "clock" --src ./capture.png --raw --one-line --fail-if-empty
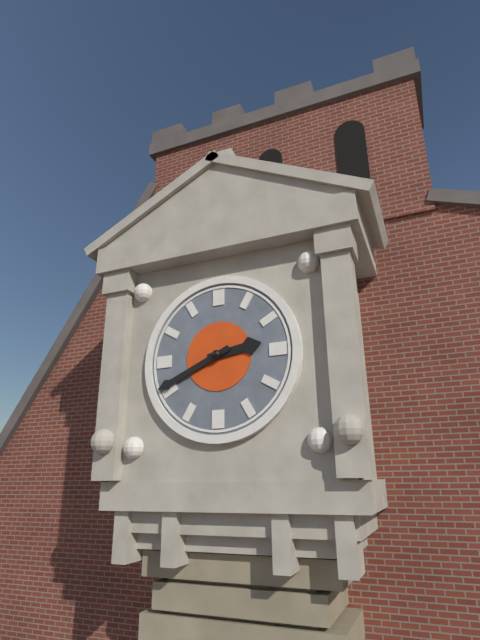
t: 2:41
